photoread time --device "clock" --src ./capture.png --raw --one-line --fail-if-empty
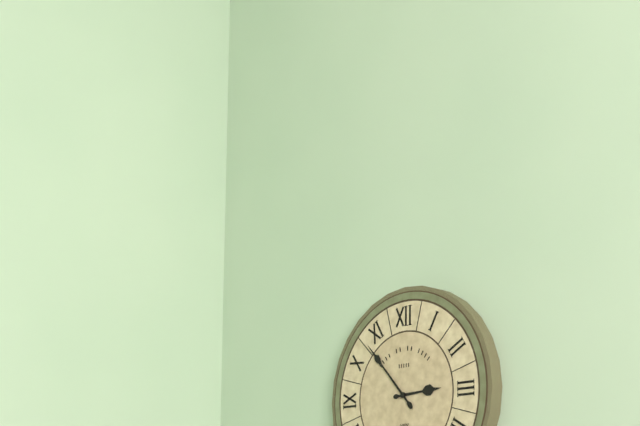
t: 2:53
